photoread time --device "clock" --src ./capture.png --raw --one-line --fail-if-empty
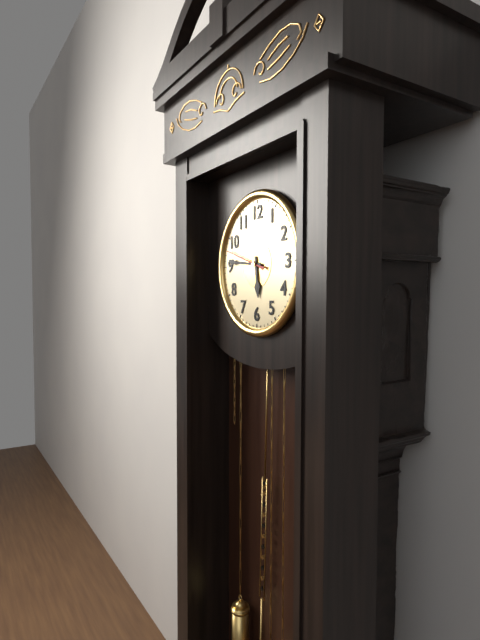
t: 5:46
